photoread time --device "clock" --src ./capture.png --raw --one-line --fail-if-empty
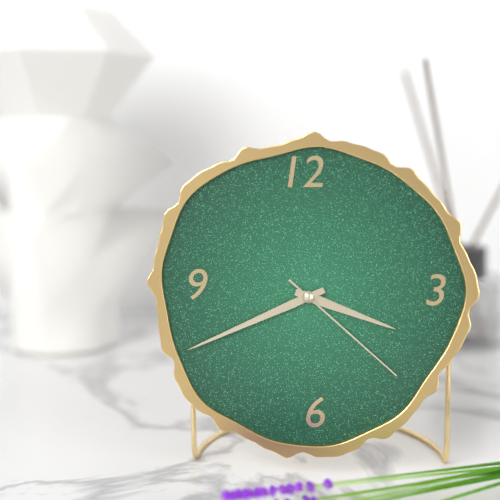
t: 3:41:22
